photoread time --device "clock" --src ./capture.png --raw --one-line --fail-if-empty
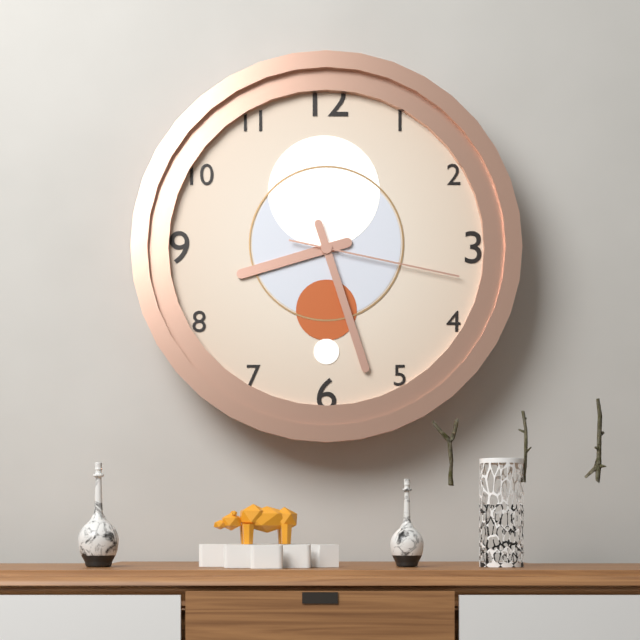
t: 8:27:17
